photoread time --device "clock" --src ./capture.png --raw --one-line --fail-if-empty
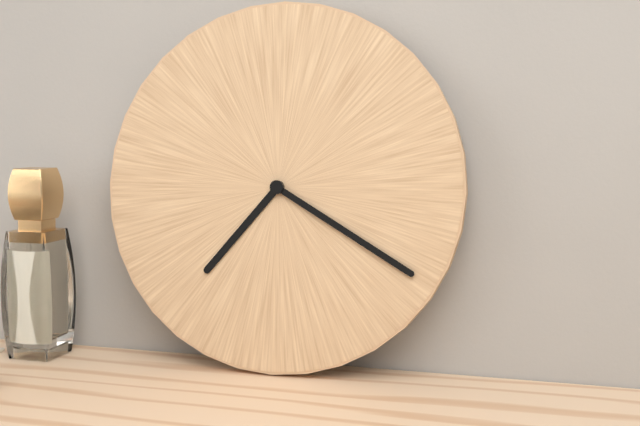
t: 7:20
